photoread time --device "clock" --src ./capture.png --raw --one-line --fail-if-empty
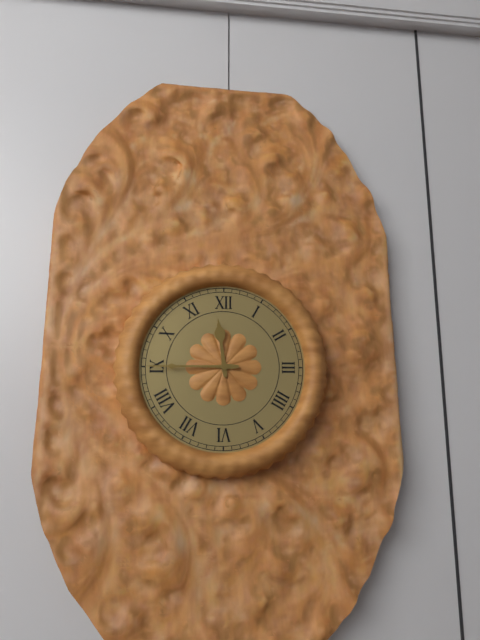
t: 11:45
